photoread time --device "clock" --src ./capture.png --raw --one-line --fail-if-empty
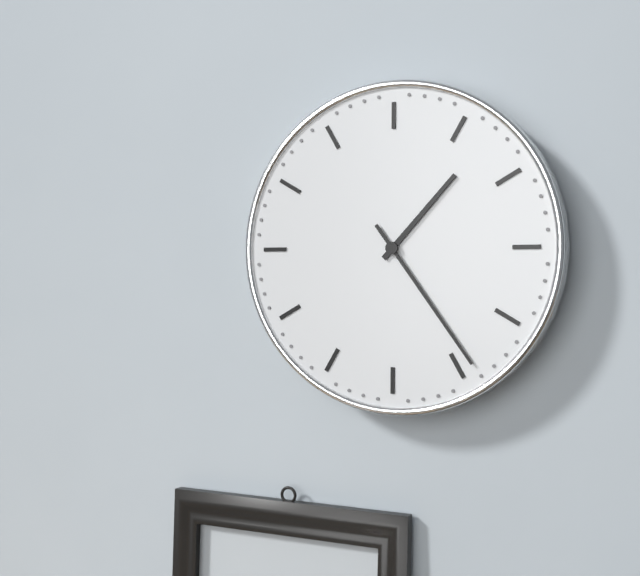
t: 1:24
